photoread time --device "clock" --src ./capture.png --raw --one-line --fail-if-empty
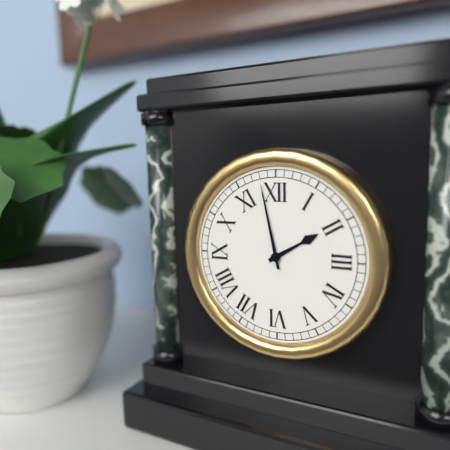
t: 1:58
